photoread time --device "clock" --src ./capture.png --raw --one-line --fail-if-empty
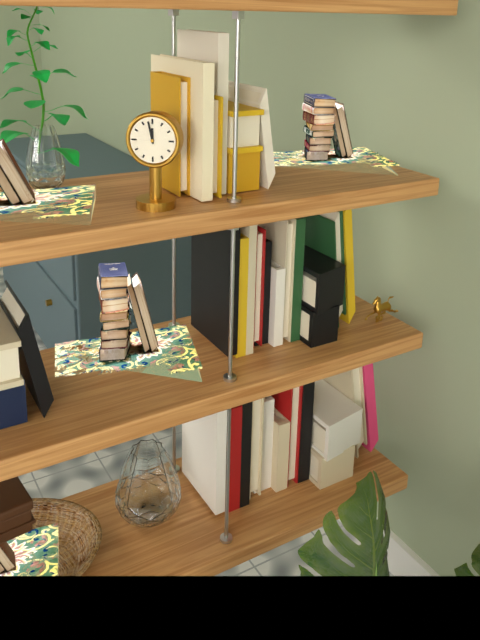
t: 11:58
